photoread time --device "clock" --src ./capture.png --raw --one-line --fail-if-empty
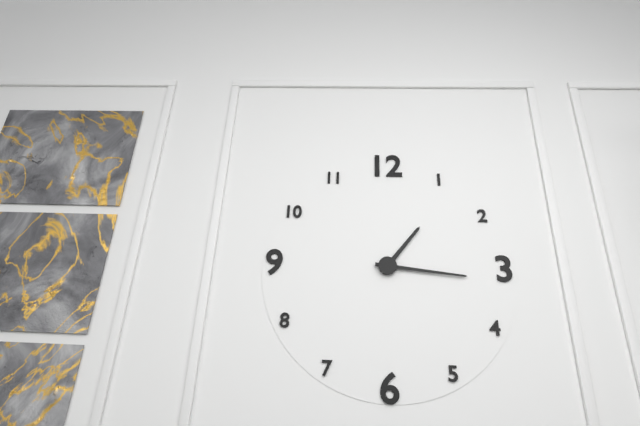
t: 1:16
